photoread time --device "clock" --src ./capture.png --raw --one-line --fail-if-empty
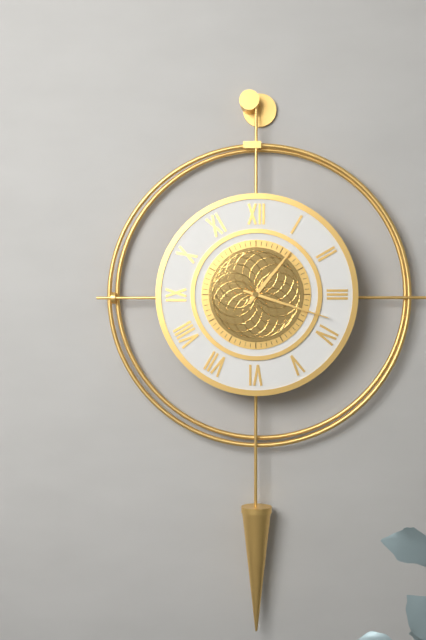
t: 1:18
